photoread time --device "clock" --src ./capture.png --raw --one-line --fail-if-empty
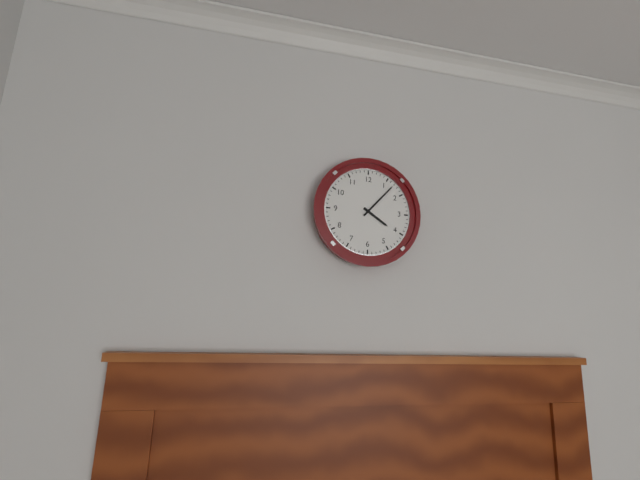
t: 4:07
